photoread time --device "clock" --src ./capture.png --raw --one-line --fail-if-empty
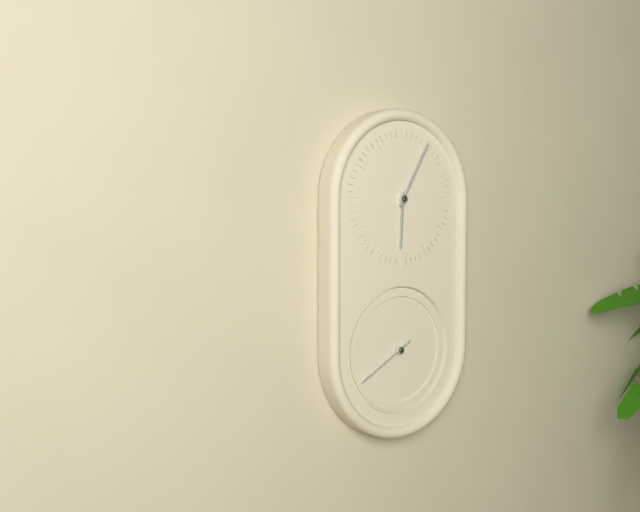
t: 6:05:40
